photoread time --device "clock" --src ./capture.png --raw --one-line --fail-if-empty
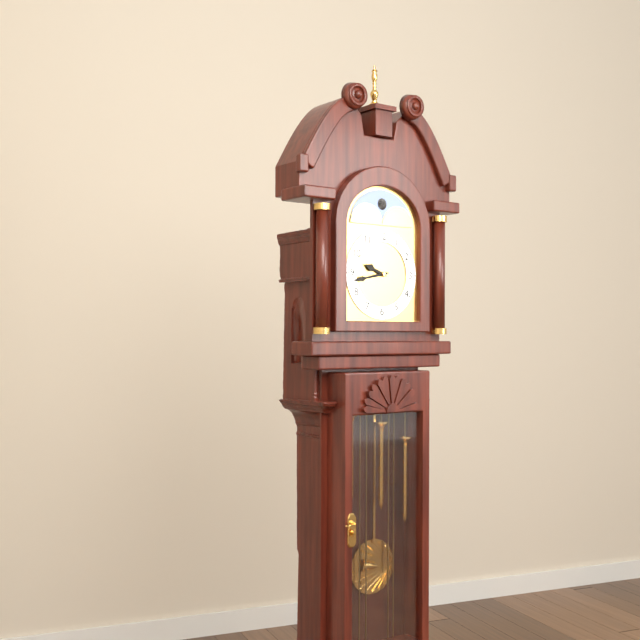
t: 9:43
